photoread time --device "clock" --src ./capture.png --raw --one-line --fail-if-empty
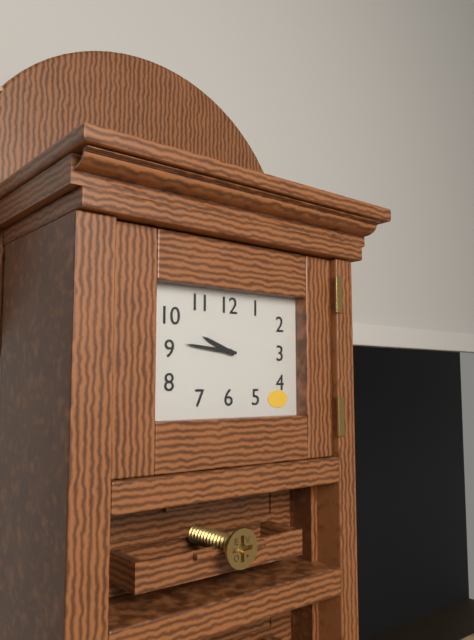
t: 9:46
